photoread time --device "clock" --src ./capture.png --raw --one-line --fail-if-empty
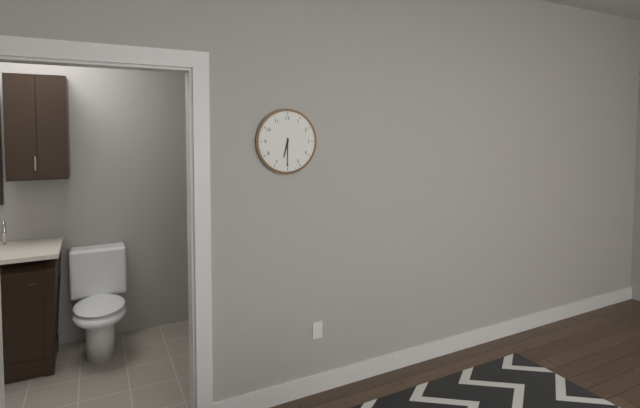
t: 6:30
